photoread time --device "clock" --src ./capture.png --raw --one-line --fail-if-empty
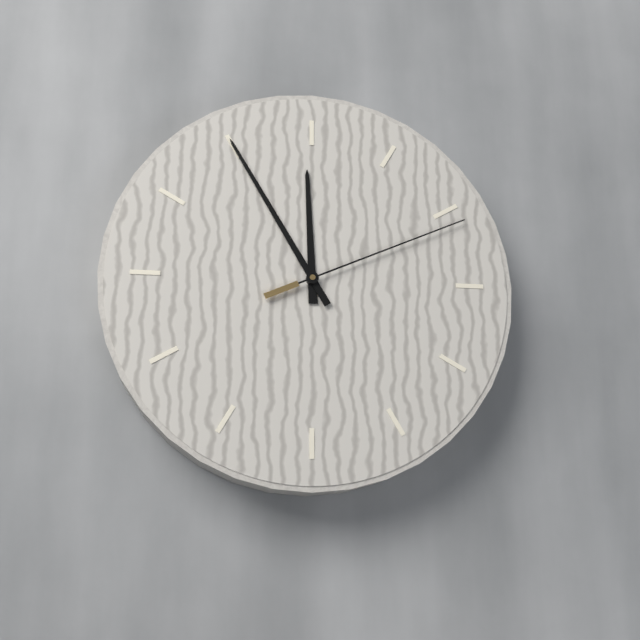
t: 11:55:11
